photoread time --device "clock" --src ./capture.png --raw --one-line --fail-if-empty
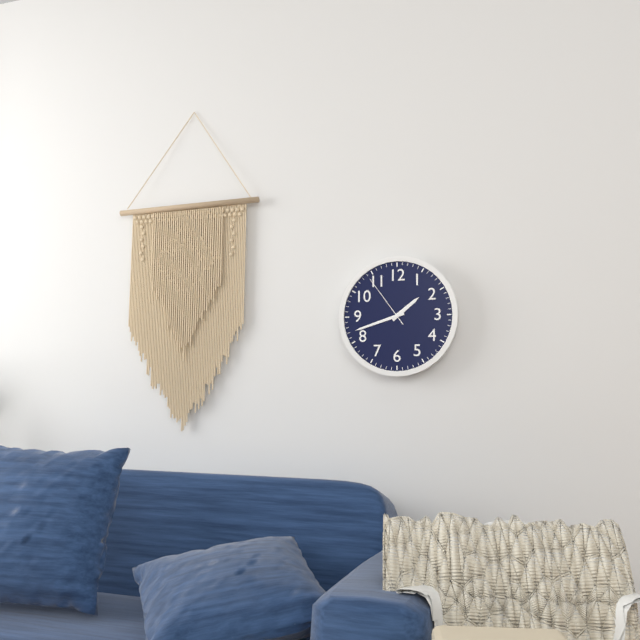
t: 1:42:54
